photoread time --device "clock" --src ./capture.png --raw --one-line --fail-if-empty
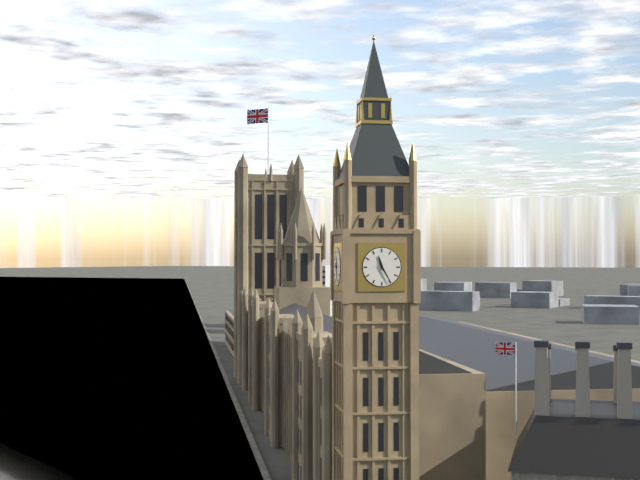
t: 11:25
